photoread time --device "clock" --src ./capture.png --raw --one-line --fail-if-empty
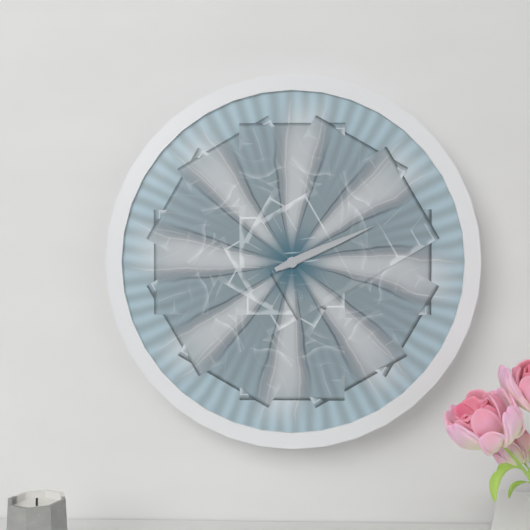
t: 2:11
